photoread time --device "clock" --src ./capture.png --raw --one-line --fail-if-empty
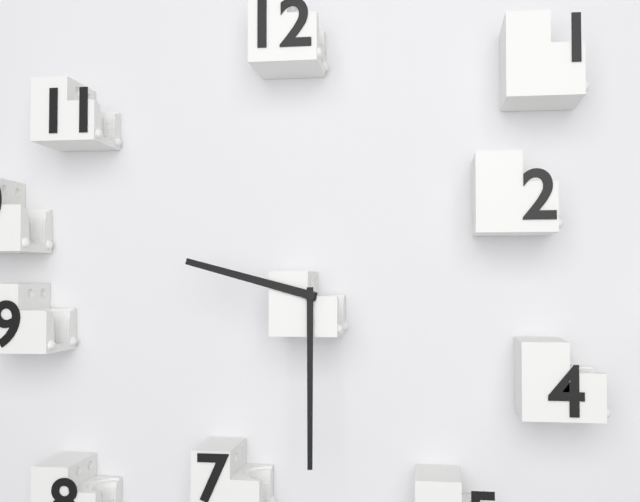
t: 9:30
